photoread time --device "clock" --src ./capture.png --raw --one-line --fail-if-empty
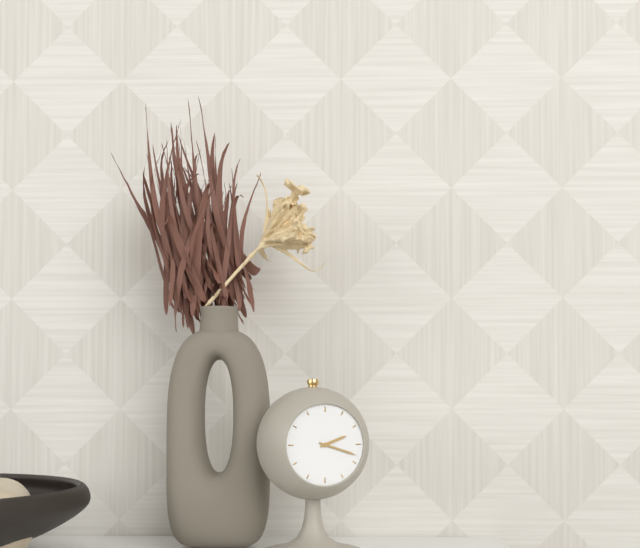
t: 2:18
